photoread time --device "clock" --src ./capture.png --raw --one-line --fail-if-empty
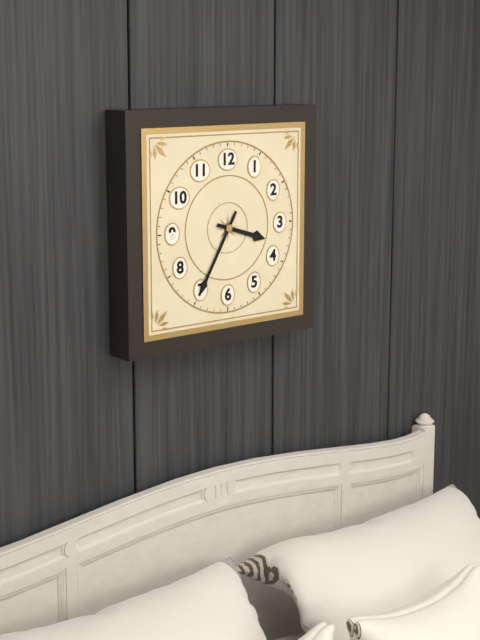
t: 3:35
